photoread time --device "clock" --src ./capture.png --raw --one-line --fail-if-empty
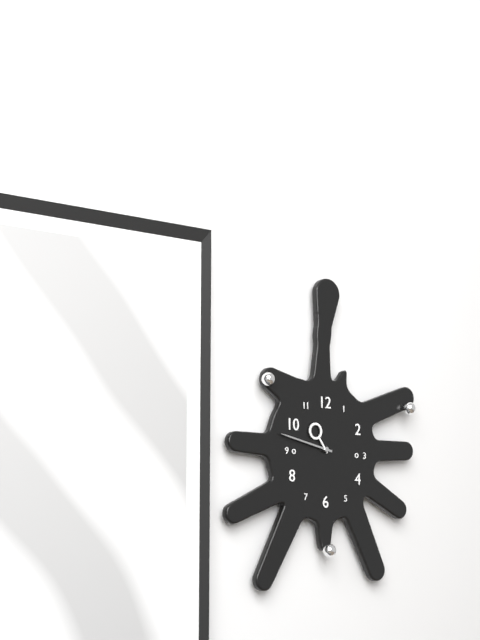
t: 10:47
